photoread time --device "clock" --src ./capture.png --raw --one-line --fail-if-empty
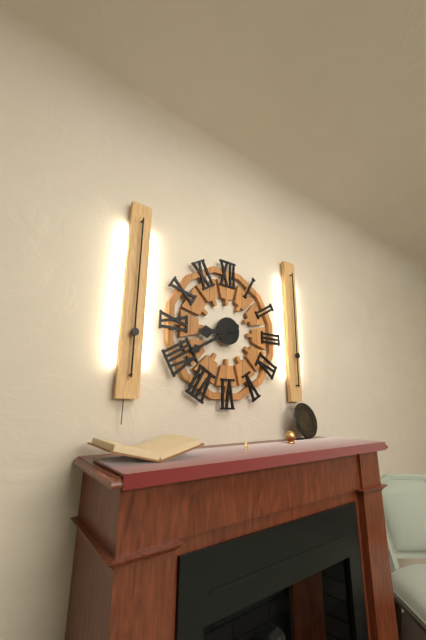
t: 8:40
